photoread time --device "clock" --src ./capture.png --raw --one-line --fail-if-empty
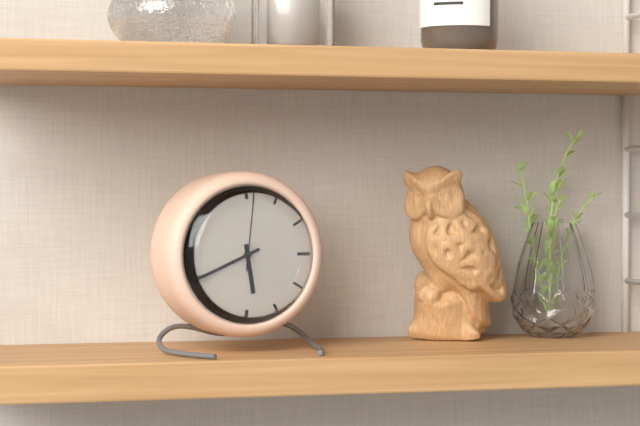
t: 5:41:01
